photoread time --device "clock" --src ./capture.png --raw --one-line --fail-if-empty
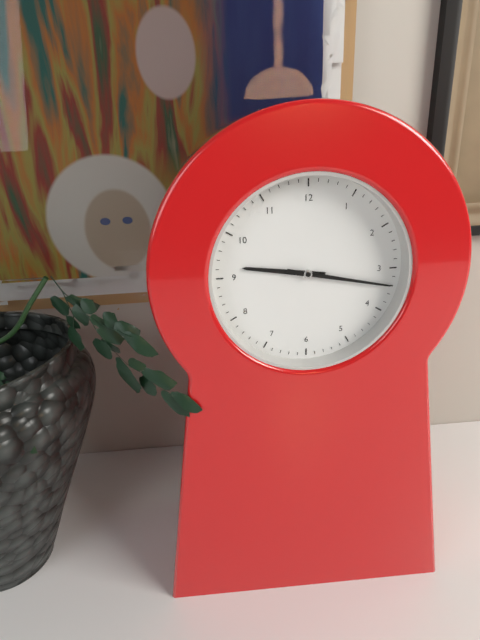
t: 9:17
